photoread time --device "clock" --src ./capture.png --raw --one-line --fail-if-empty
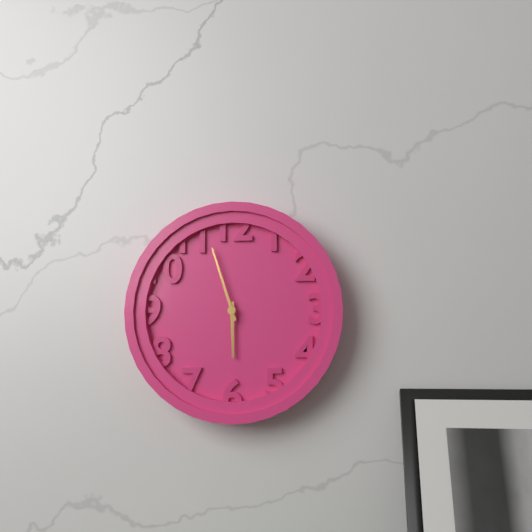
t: 5:57
